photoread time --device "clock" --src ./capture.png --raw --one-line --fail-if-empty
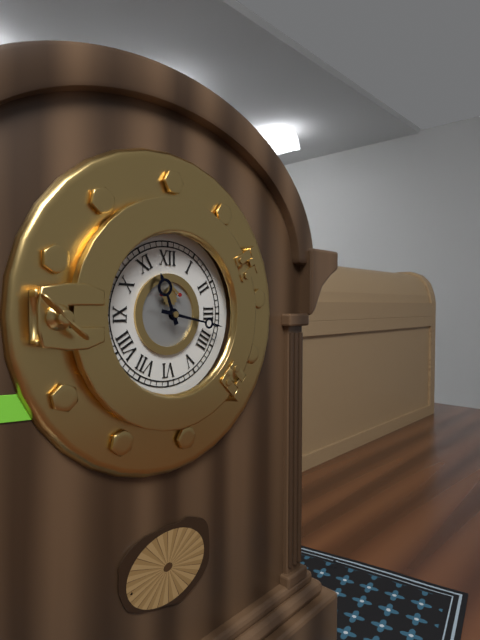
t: 11:17
